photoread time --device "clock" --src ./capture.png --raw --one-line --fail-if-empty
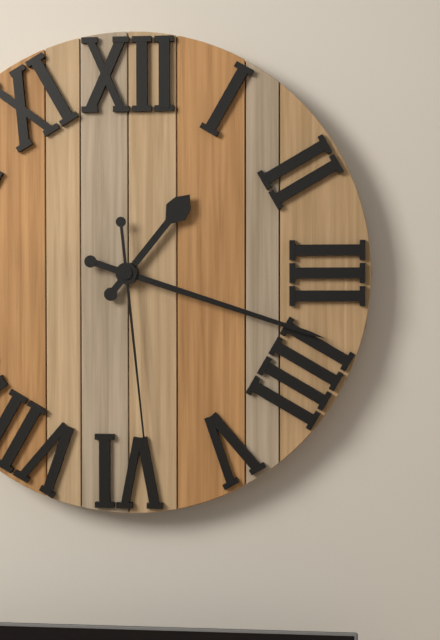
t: 1:18:29
